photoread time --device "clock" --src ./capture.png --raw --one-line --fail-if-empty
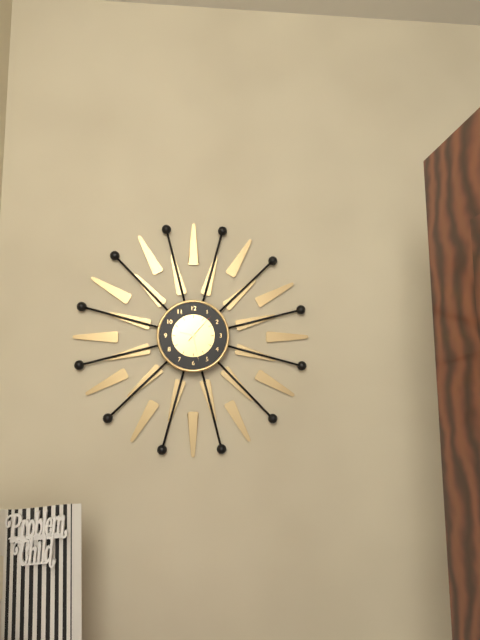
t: 9:28
